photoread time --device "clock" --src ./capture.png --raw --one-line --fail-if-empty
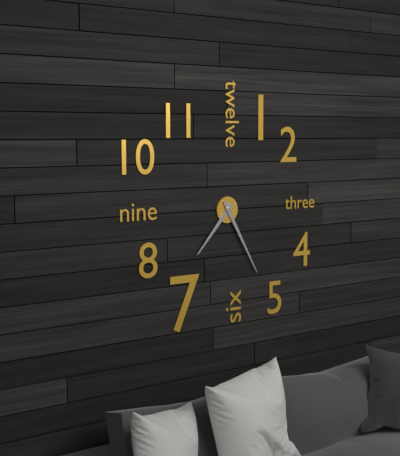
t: 7:25
